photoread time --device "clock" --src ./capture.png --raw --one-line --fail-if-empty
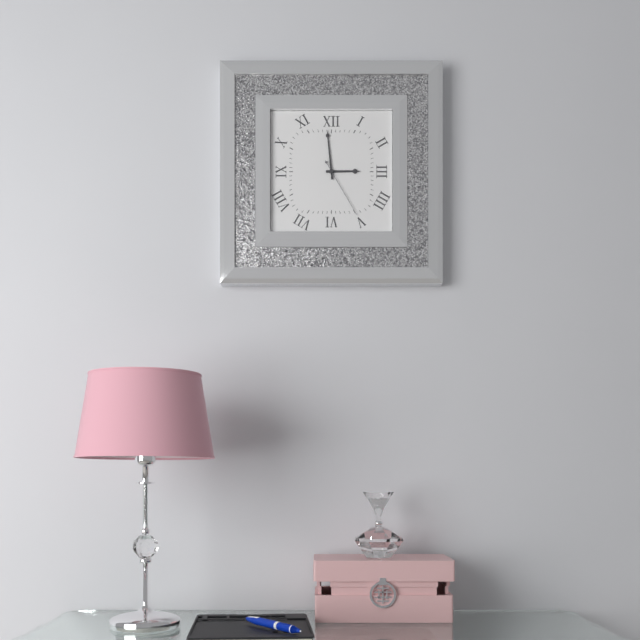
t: 2:59:25
